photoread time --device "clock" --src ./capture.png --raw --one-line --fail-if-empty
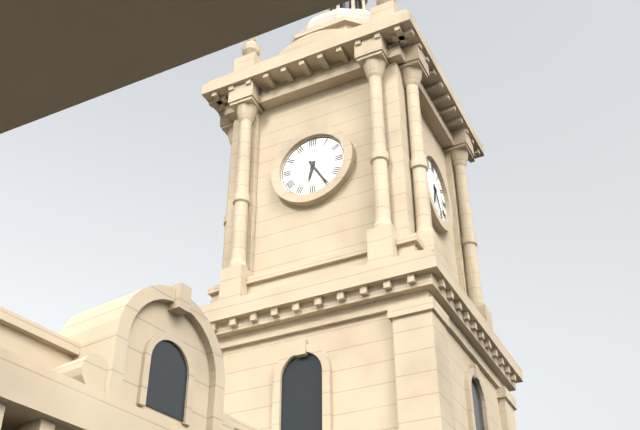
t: 6:25
